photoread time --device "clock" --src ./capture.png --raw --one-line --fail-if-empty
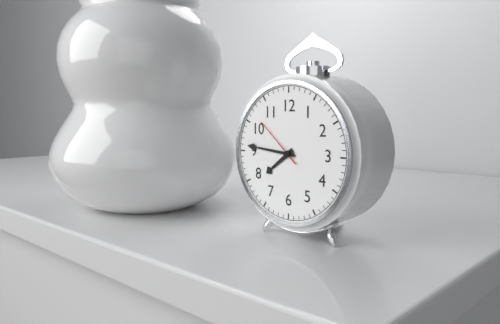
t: 7:46:52
